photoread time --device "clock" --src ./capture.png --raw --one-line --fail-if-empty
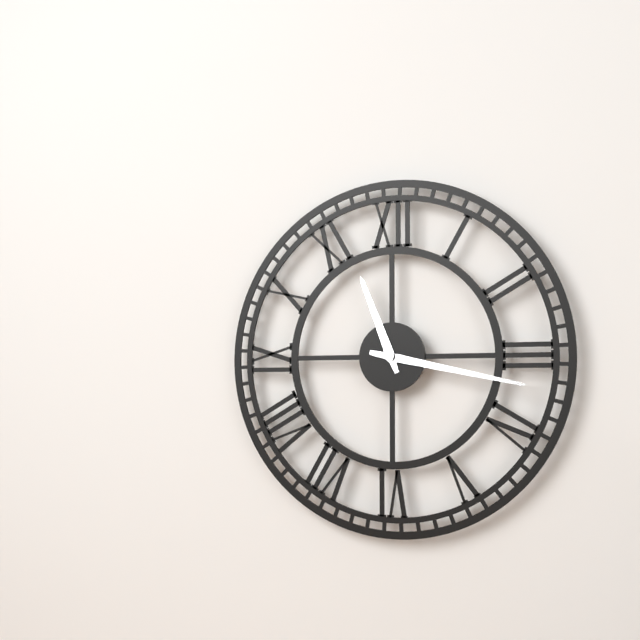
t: 11:17
